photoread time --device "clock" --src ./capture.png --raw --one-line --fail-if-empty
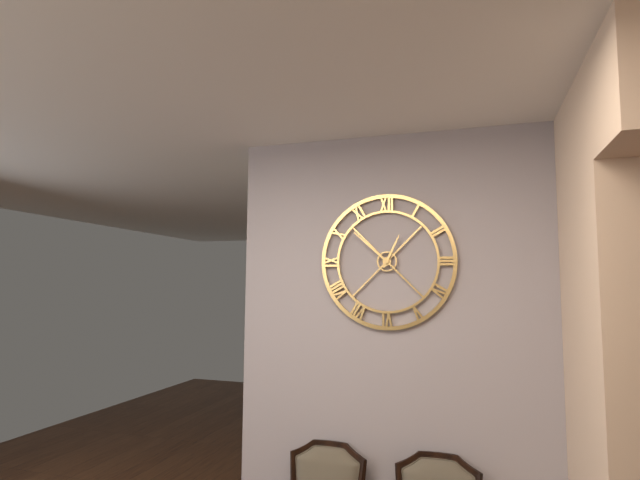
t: 12:52
